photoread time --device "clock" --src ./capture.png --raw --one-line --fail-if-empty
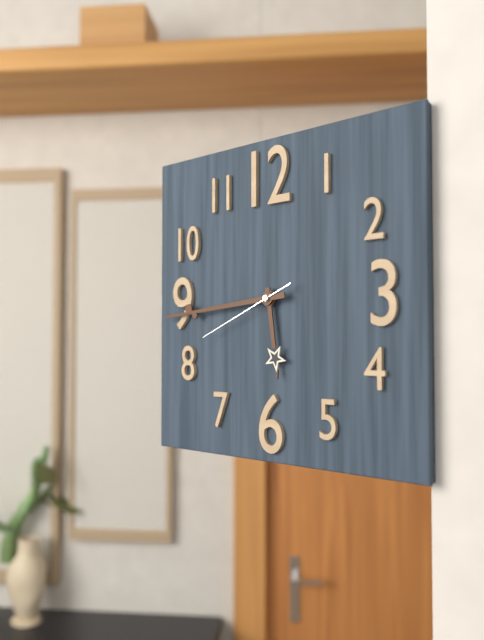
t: 5:44:41
